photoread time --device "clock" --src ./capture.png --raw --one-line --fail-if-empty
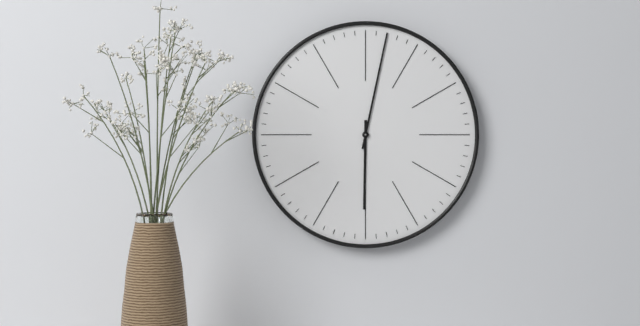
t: 6:02
